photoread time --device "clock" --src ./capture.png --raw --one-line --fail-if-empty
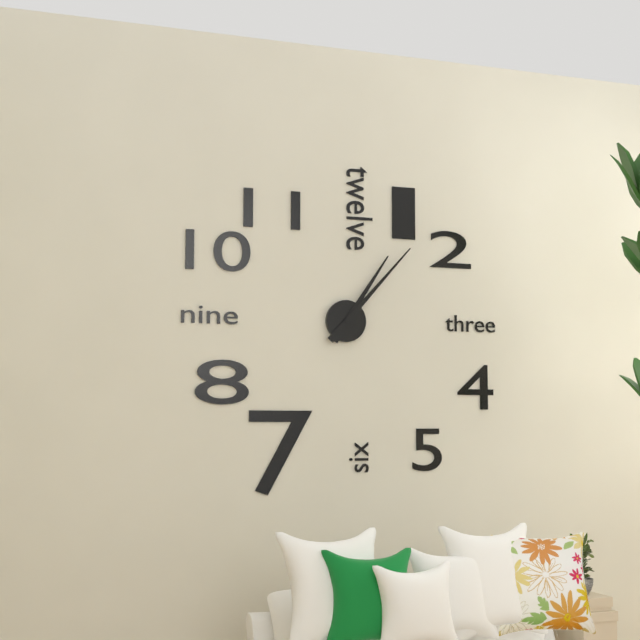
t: 1:07
